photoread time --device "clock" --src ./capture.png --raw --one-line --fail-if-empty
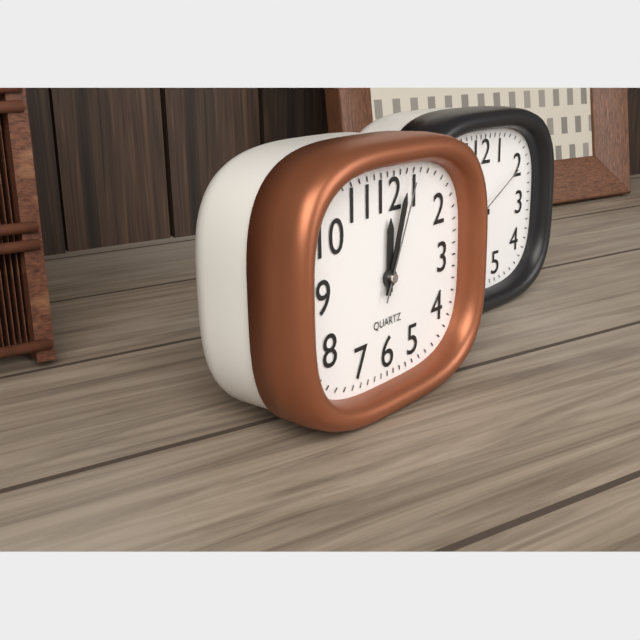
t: 12:03:04
